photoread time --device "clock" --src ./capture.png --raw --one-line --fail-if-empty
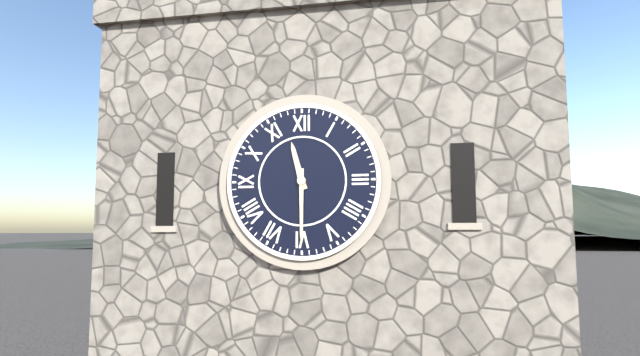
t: 11:30
